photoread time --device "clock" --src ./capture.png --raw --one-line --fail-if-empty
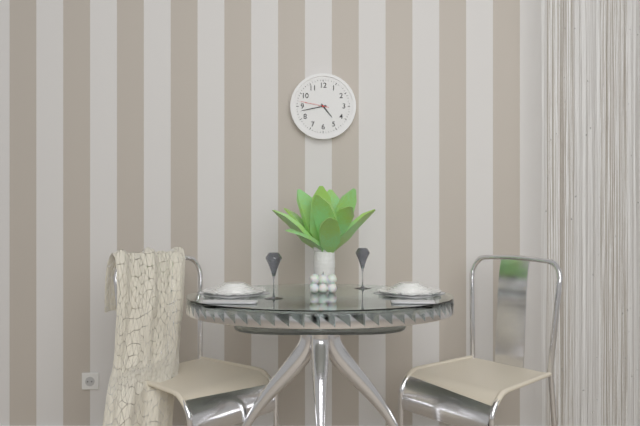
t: 4:43
